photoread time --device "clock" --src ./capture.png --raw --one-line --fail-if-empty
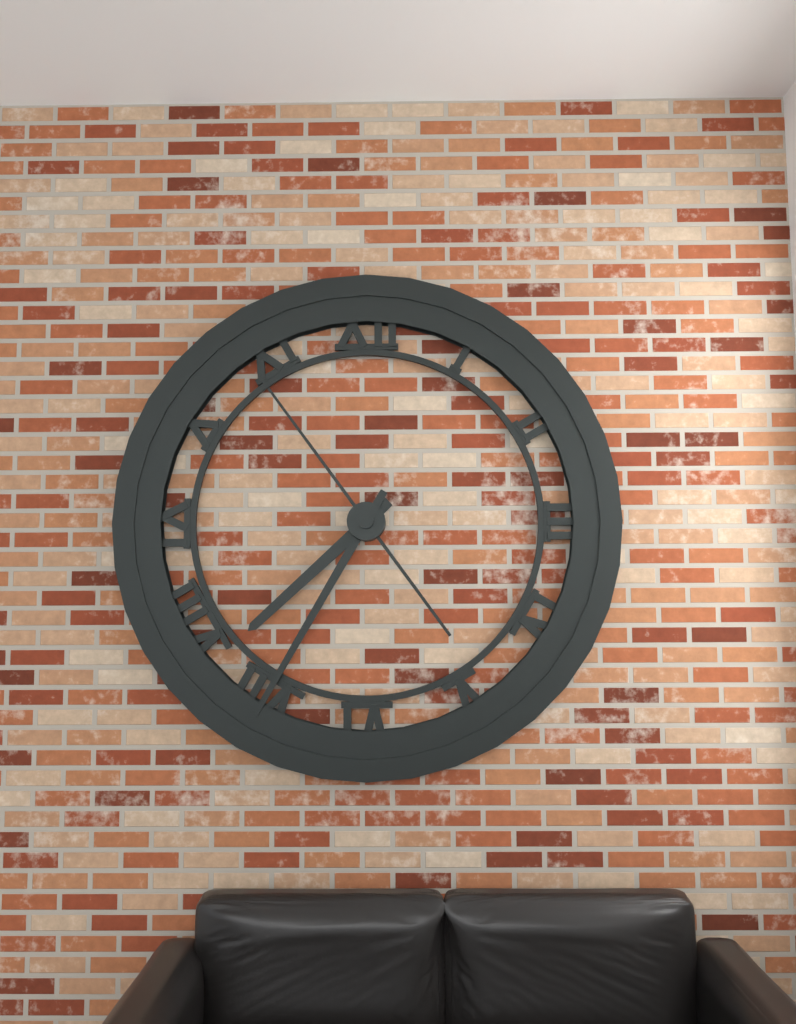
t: 7:35:54
